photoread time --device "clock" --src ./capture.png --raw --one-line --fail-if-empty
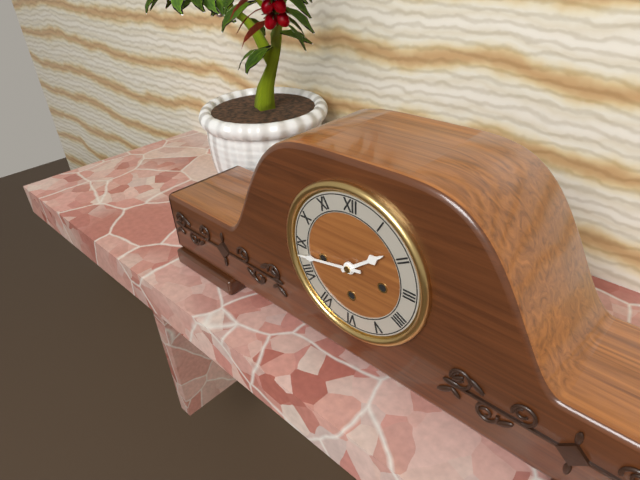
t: 1:43
